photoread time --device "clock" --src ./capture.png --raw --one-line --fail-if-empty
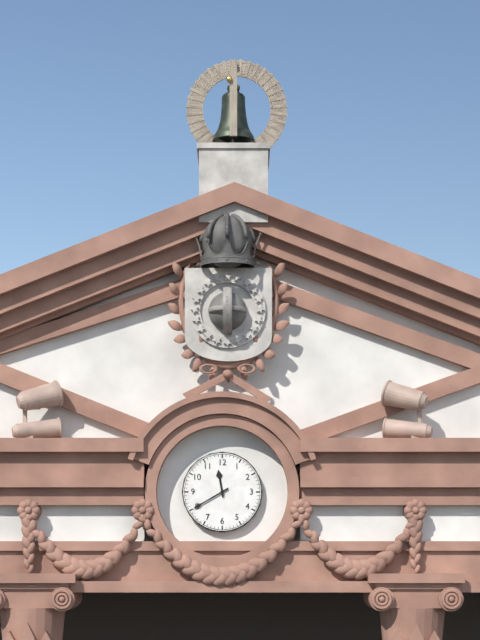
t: 11:40
